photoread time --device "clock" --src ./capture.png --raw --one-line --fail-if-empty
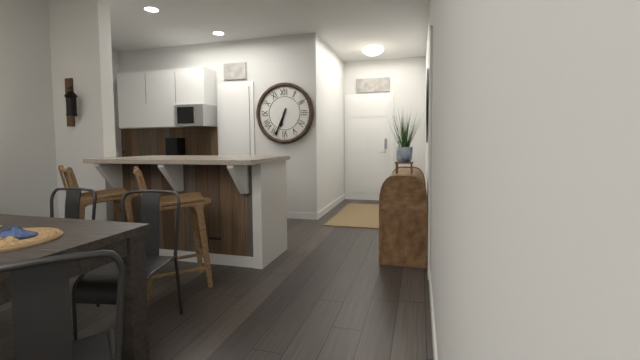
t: 6:34
